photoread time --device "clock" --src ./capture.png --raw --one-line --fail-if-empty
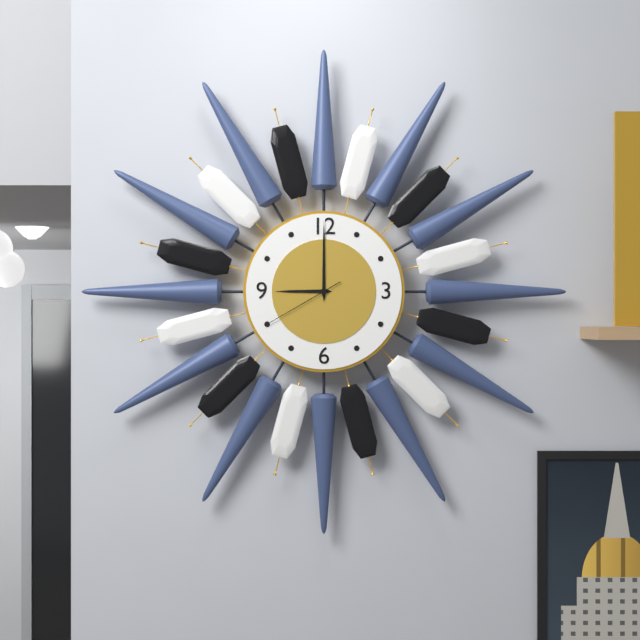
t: 9:00:40
